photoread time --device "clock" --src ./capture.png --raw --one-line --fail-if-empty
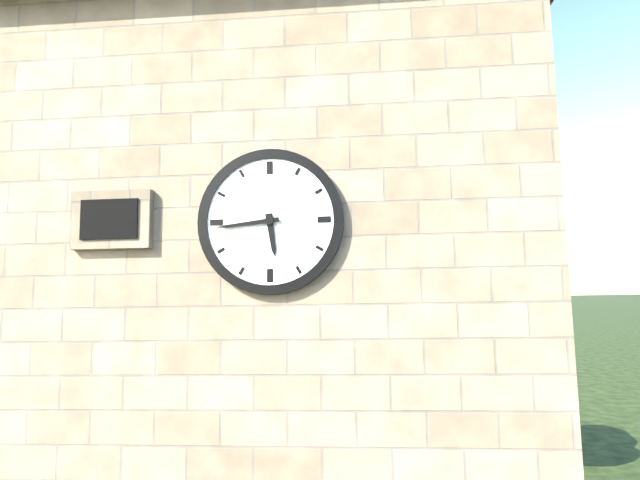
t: 5:44
